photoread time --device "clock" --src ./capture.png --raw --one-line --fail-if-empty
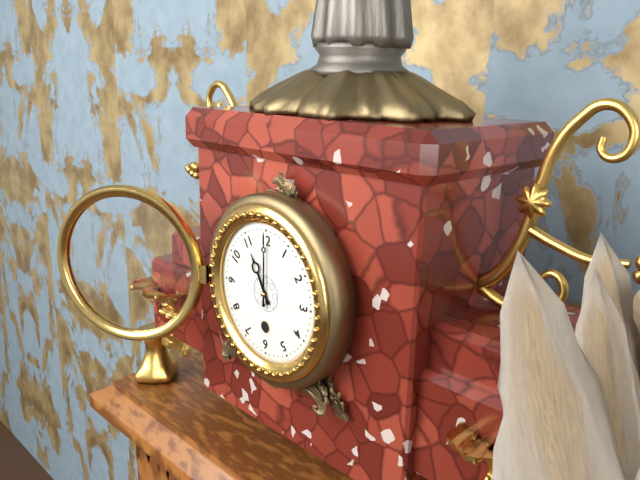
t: 11:00
